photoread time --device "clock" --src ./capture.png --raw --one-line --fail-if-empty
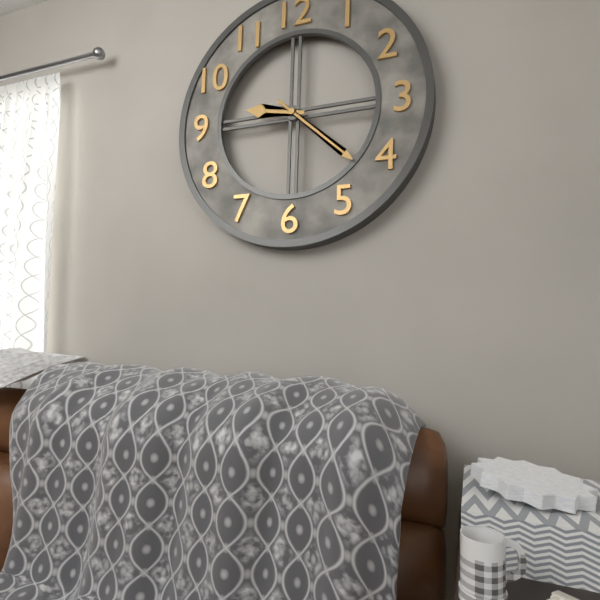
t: 9:22
